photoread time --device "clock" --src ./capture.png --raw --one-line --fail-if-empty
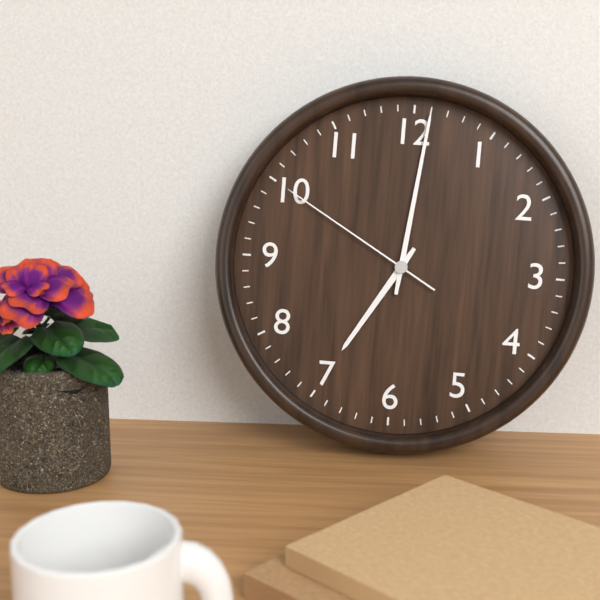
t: 7:01:50
